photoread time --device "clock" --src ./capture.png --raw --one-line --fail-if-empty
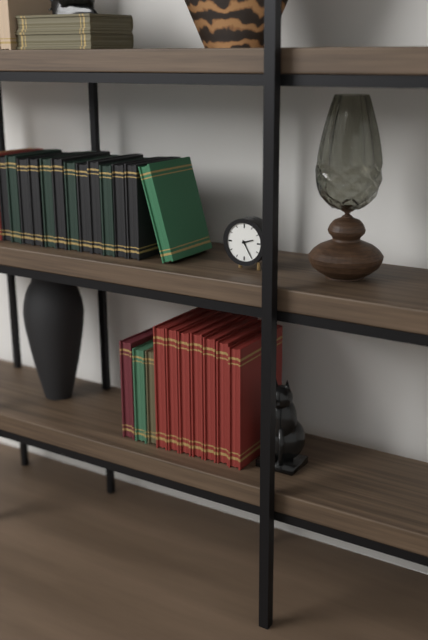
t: 2:25
